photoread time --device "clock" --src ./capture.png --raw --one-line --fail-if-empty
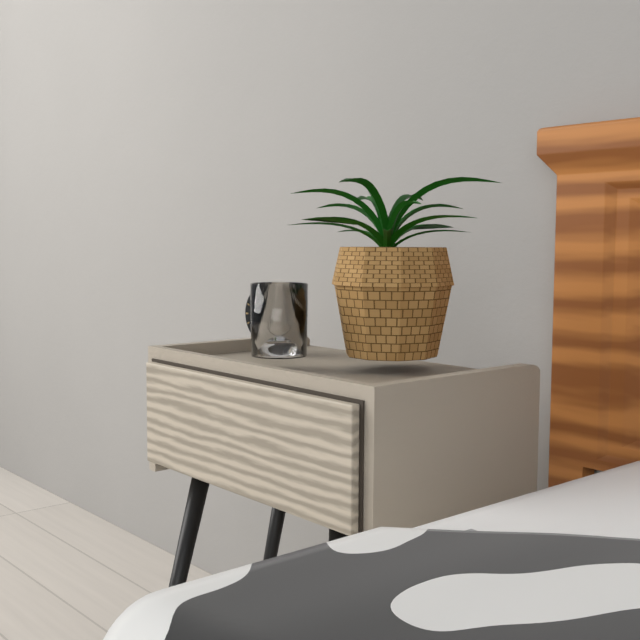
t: 6:25
